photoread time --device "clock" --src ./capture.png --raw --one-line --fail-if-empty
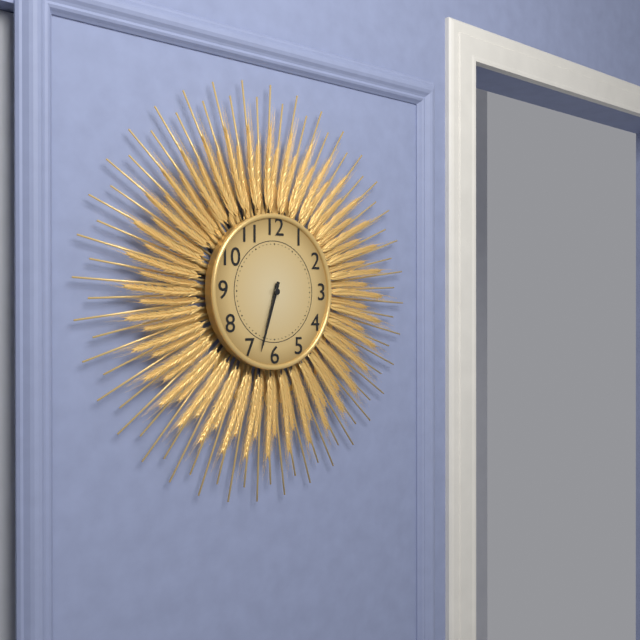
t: 6:33
